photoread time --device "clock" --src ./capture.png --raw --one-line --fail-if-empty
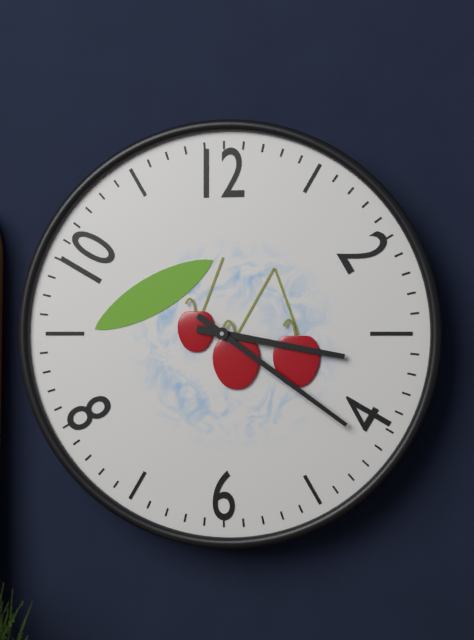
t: 3:21
